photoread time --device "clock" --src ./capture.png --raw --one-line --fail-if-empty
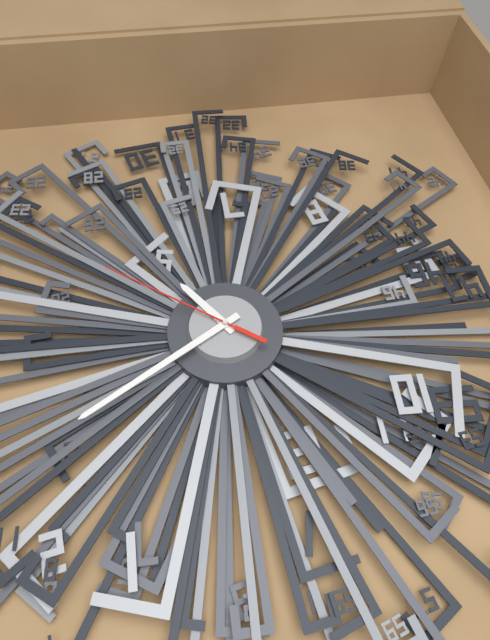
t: 5:12:23
